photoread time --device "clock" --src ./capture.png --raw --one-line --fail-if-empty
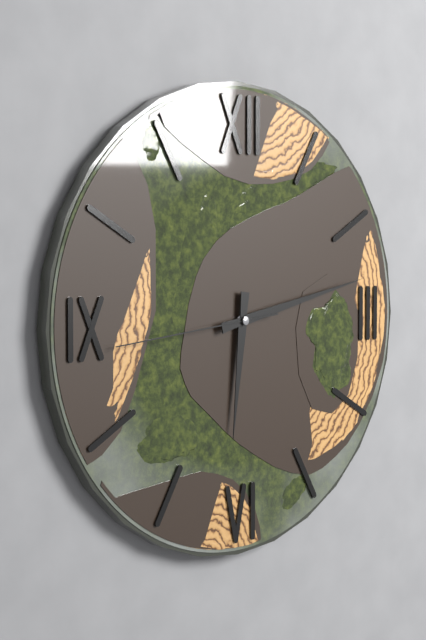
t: 6:13:44
